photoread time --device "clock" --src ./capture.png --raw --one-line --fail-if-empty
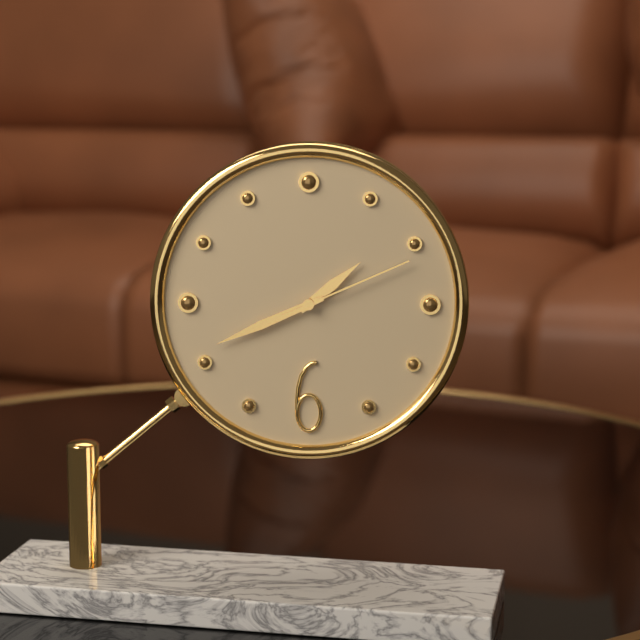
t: 1:41:11
